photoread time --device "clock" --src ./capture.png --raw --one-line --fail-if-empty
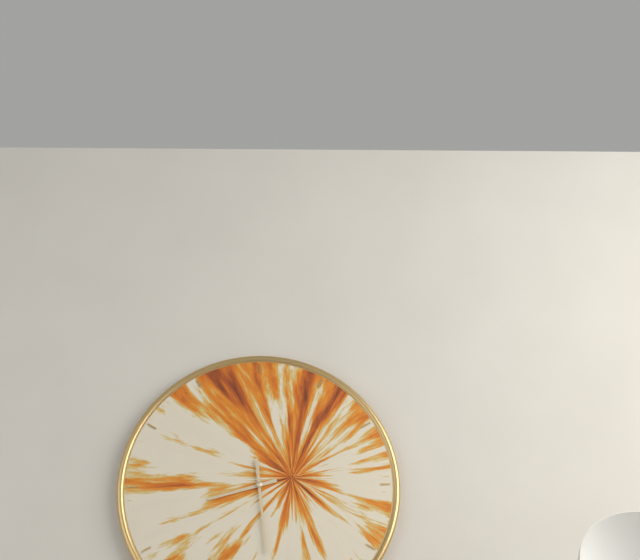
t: 8:29
